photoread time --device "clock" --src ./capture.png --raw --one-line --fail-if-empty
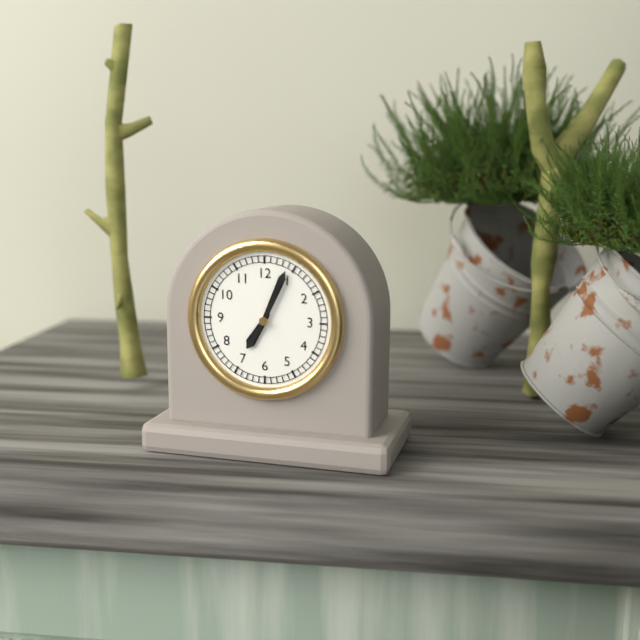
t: 7:04
